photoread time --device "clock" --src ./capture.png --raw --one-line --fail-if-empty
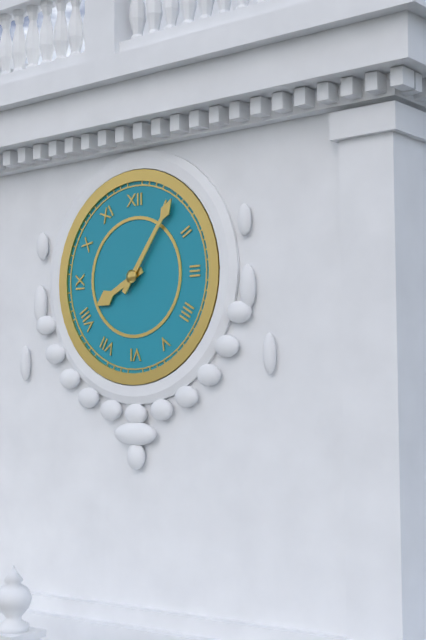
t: 8:06
